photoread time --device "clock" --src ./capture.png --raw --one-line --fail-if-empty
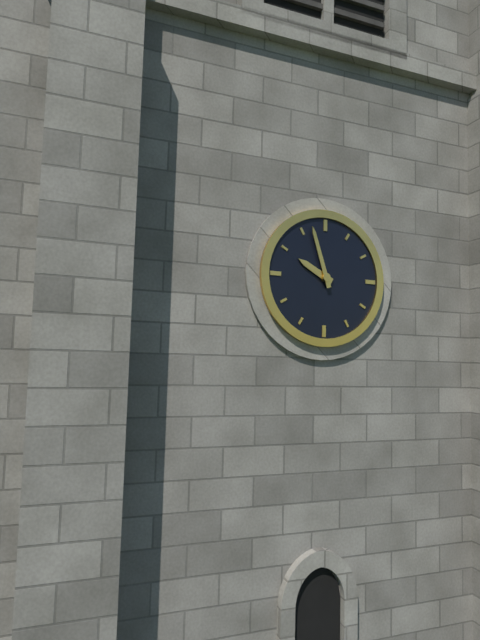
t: 9:57
